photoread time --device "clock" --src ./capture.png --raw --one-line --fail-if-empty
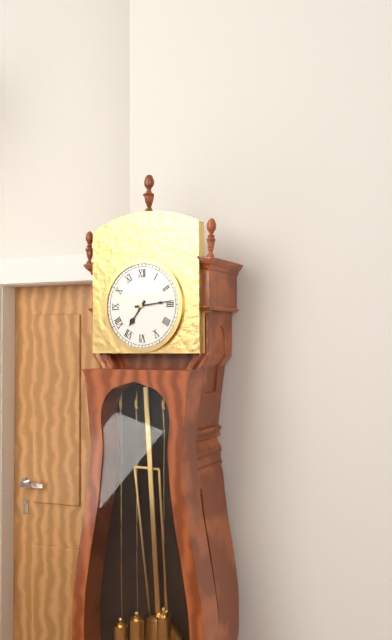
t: 7:14
